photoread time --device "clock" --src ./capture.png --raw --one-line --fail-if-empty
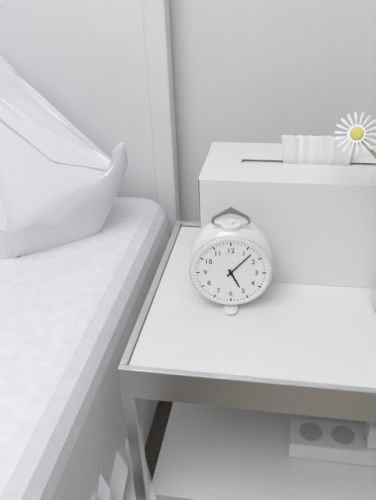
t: 5:07
